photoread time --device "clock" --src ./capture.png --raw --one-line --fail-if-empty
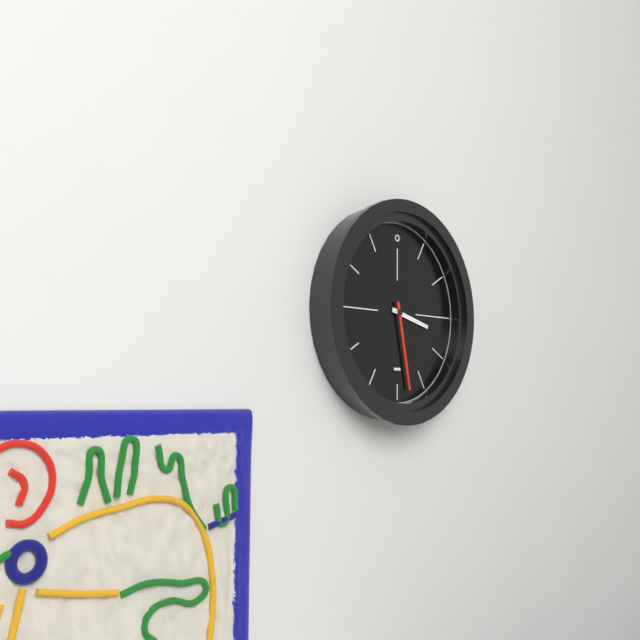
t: 3:28
